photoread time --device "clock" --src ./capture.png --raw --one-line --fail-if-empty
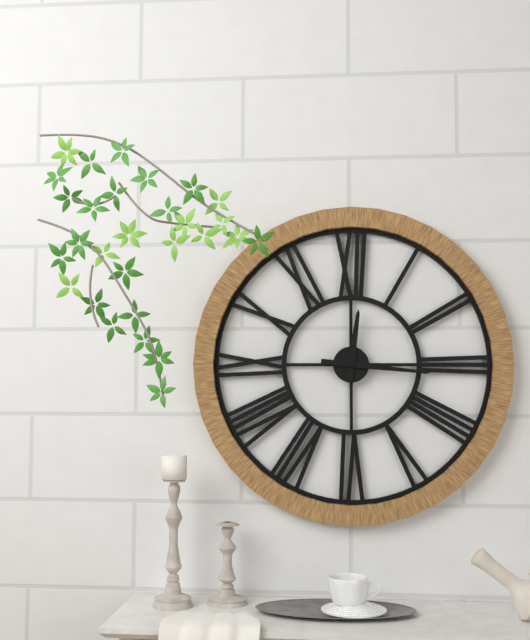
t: 12:16
